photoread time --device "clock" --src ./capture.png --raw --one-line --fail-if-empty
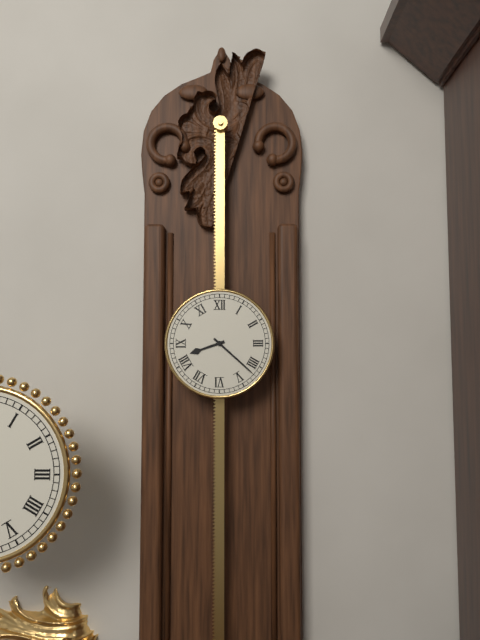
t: 8:22
